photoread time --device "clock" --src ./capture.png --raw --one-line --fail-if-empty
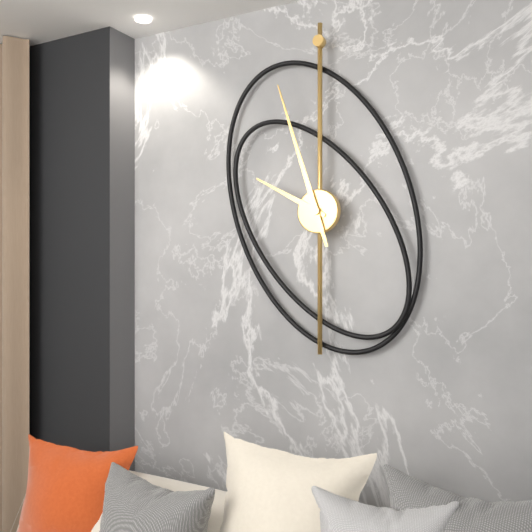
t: 9:57
